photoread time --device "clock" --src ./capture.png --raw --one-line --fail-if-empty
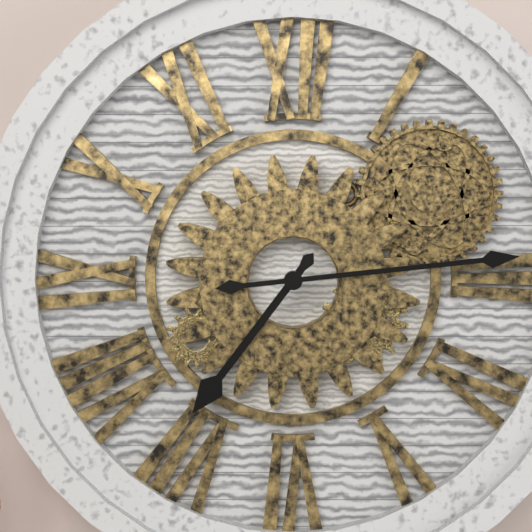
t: 7:14
